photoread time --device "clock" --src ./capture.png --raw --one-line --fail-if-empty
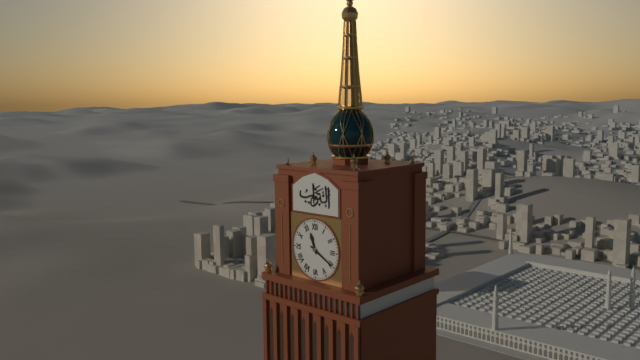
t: 11:20
